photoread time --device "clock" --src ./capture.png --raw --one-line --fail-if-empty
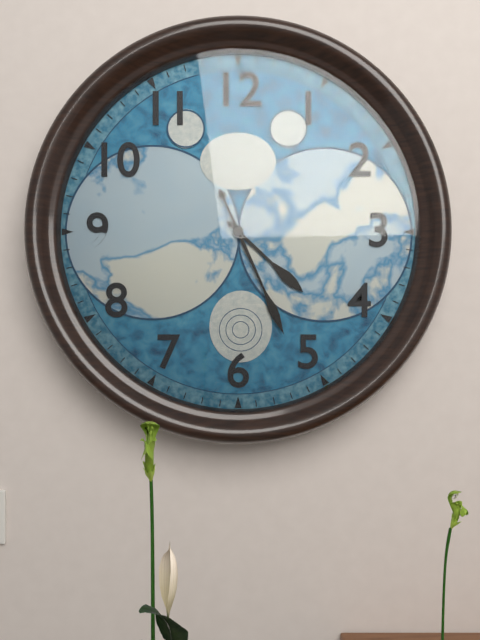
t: 4:26
